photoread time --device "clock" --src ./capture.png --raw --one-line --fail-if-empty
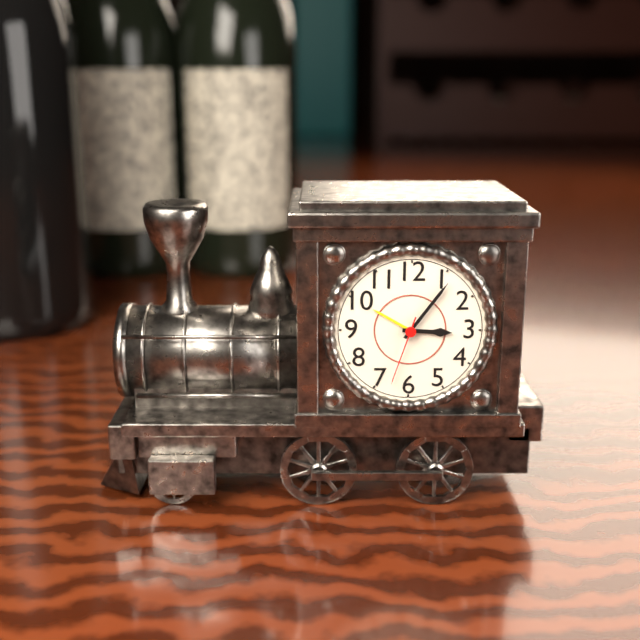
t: 3:06:33
